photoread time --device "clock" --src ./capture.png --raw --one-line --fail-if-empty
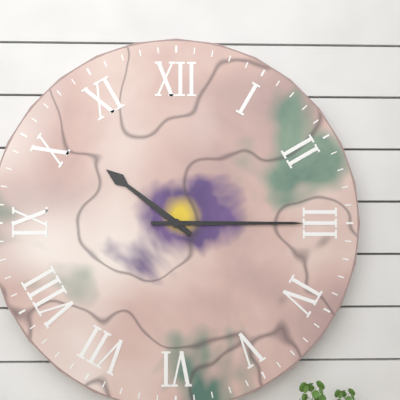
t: 10:15
